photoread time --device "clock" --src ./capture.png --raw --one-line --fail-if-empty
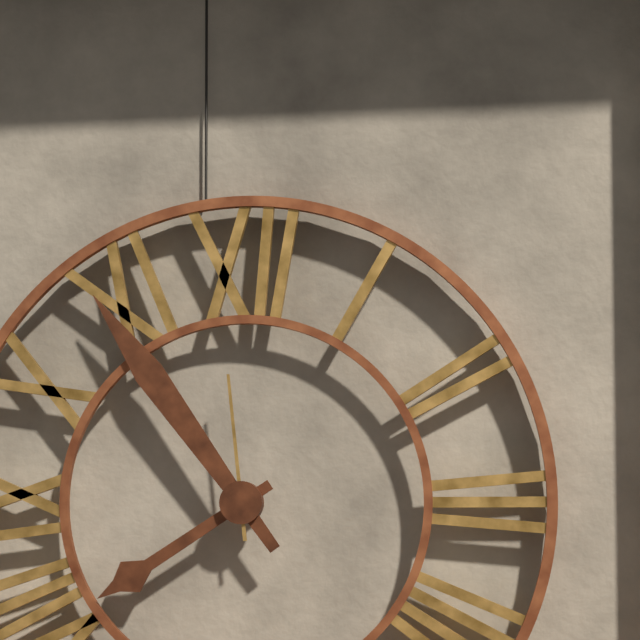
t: 7:54:59
